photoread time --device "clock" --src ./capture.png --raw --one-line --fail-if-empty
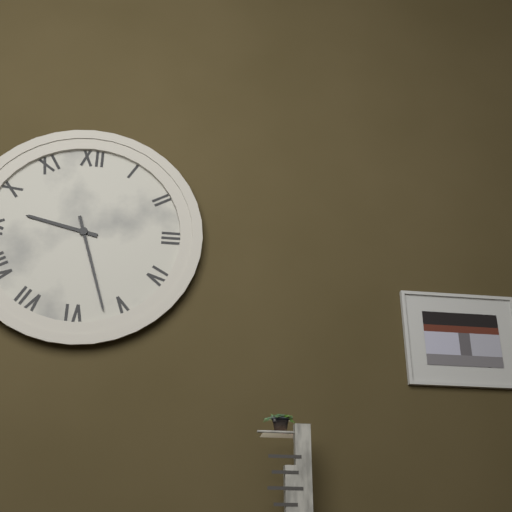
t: 9:27
